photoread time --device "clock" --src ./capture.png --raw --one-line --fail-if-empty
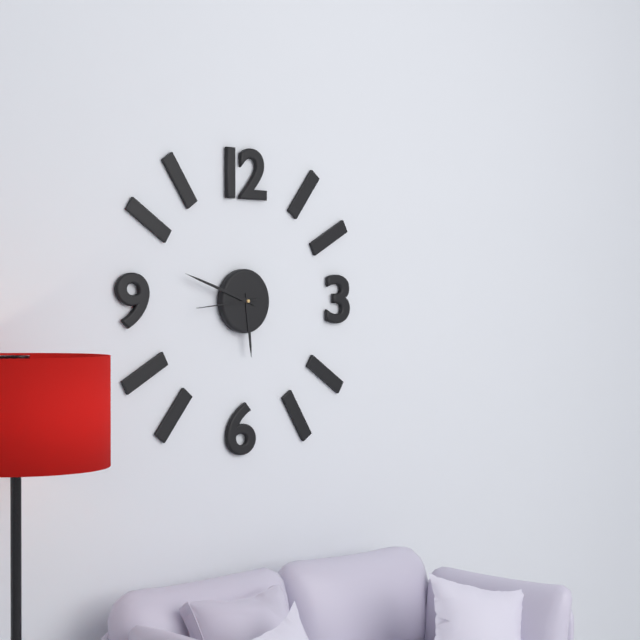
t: 5:48:44
